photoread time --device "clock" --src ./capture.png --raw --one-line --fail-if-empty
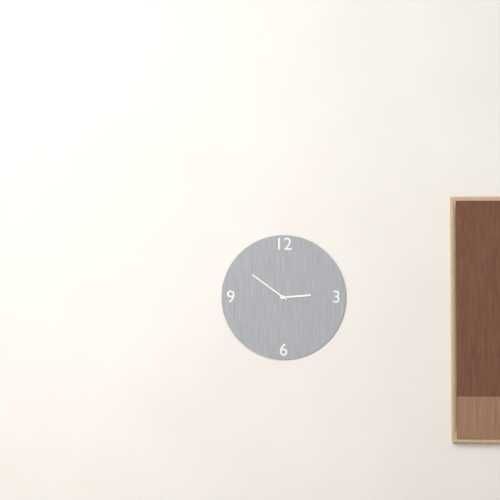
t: 2:51
